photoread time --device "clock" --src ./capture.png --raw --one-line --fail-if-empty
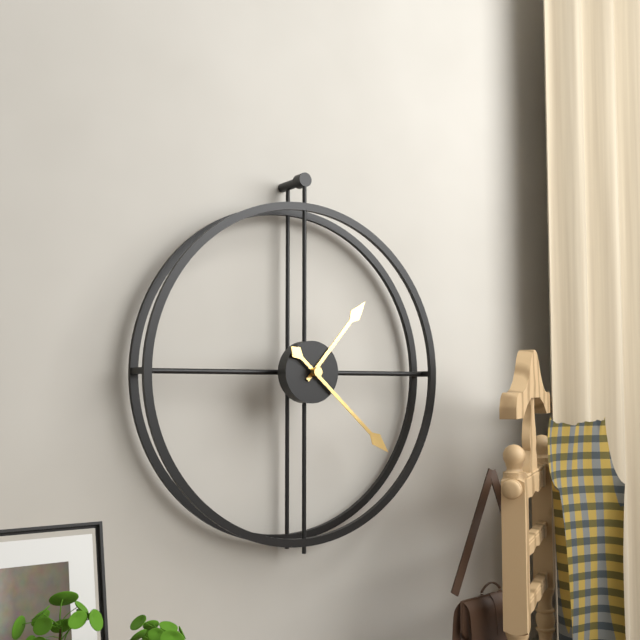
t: 1:22
